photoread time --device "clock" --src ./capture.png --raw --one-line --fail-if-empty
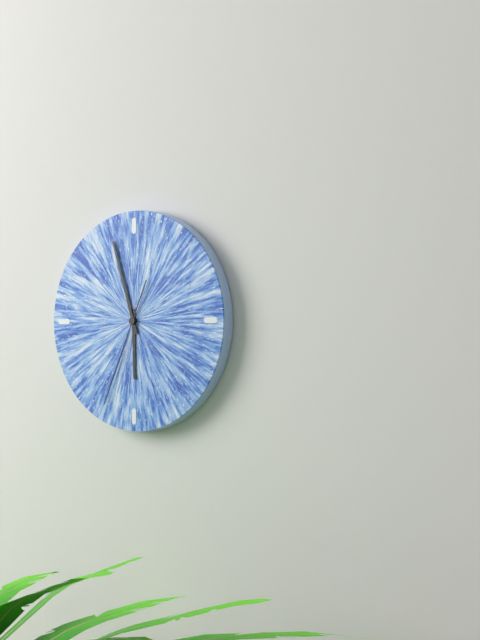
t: 5:57:34
